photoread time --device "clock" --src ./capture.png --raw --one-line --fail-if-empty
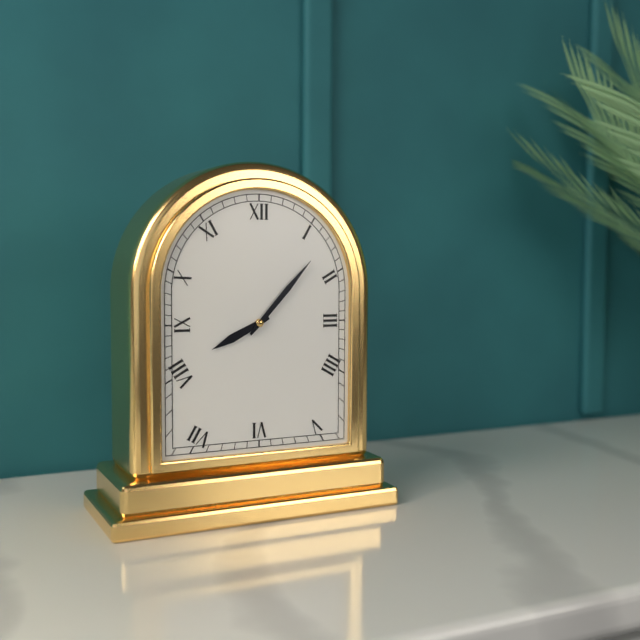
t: 8:07
